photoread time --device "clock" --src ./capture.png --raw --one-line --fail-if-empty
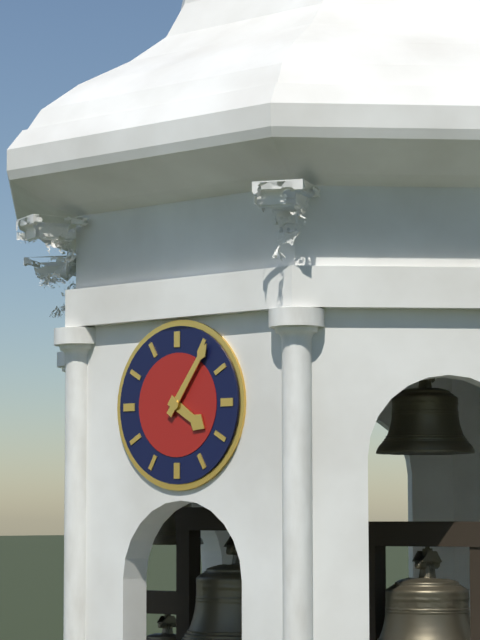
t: 4:06
